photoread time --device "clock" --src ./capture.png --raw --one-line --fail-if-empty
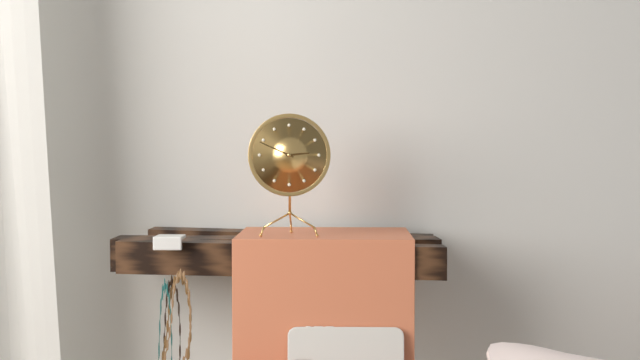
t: 2:49
